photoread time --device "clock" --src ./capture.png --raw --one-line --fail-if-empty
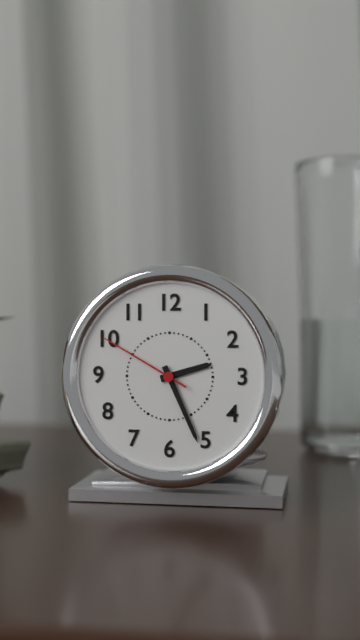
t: 2:26:50
